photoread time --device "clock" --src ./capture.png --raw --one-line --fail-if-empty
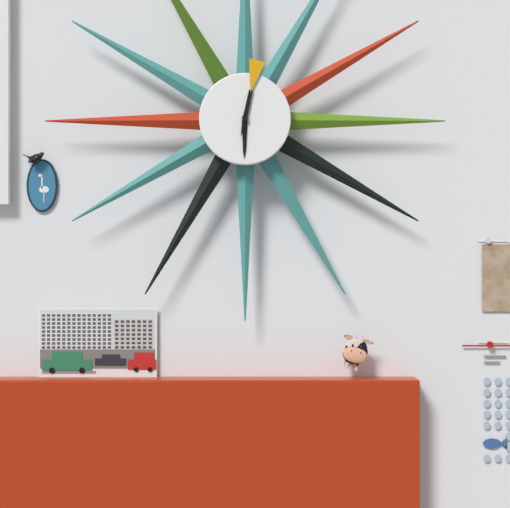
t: 6:02
